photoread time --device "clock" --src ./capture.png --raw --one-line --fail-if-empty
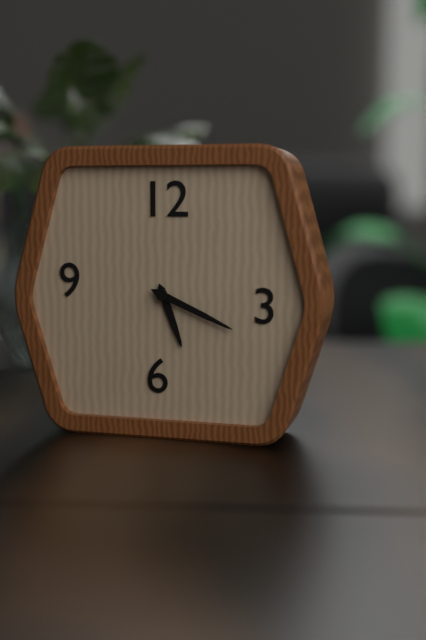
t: 5:19
